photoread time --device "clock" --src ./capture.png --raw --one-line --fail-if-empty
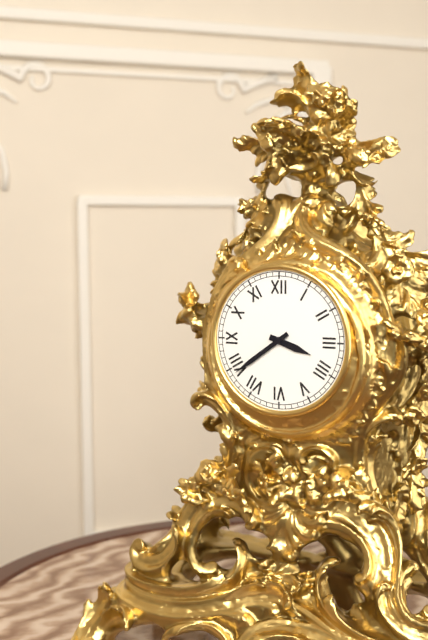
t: 3:39
